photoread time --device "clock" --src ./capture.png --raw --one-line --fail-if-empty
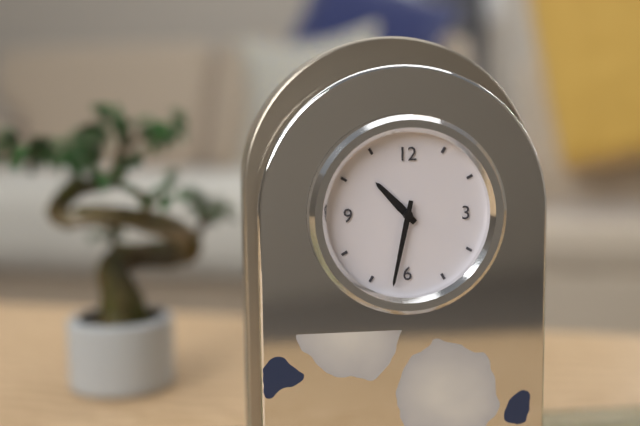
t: 10:32
